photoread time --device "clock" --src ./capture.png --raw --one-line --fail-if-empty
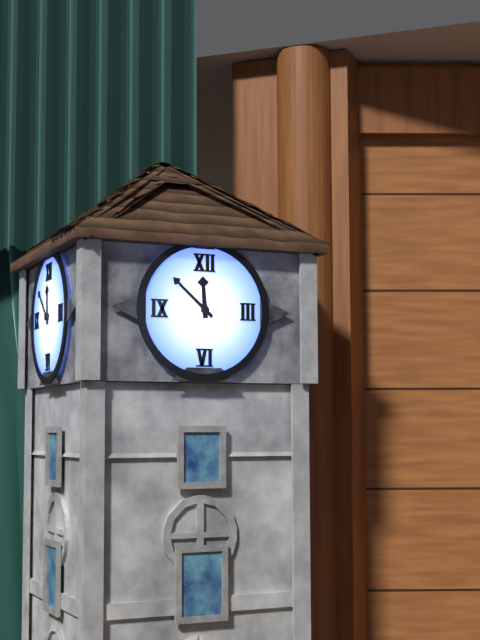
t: 11:52
